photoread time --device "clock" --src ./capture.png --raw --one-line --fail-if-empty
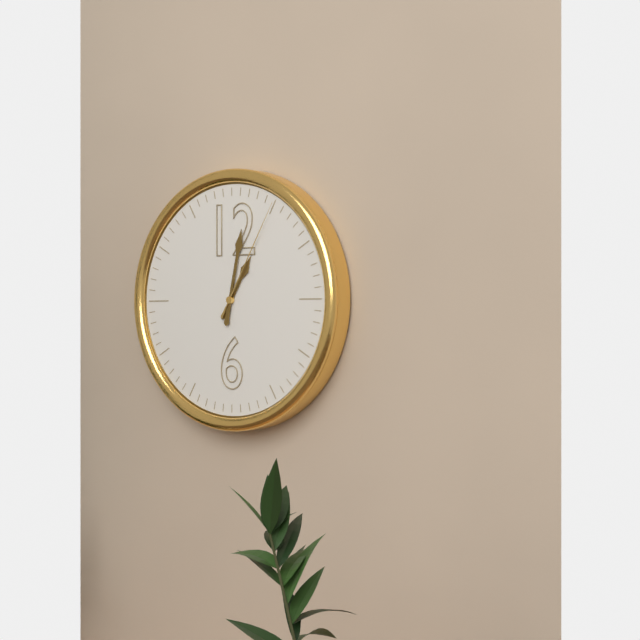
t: 1:02:05
